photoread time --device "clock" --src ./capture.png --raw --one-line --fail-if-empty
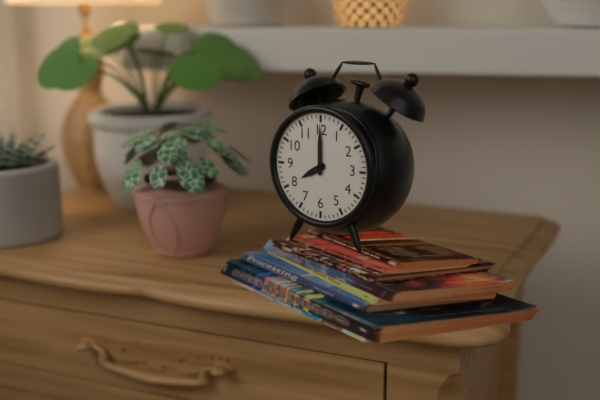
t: 8:00
